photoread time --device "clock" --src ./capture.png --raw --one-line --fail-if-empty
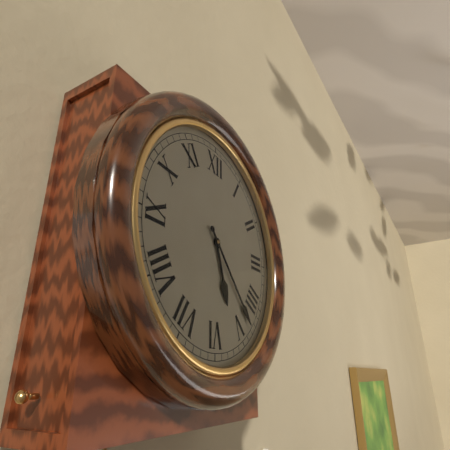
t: 5:23
